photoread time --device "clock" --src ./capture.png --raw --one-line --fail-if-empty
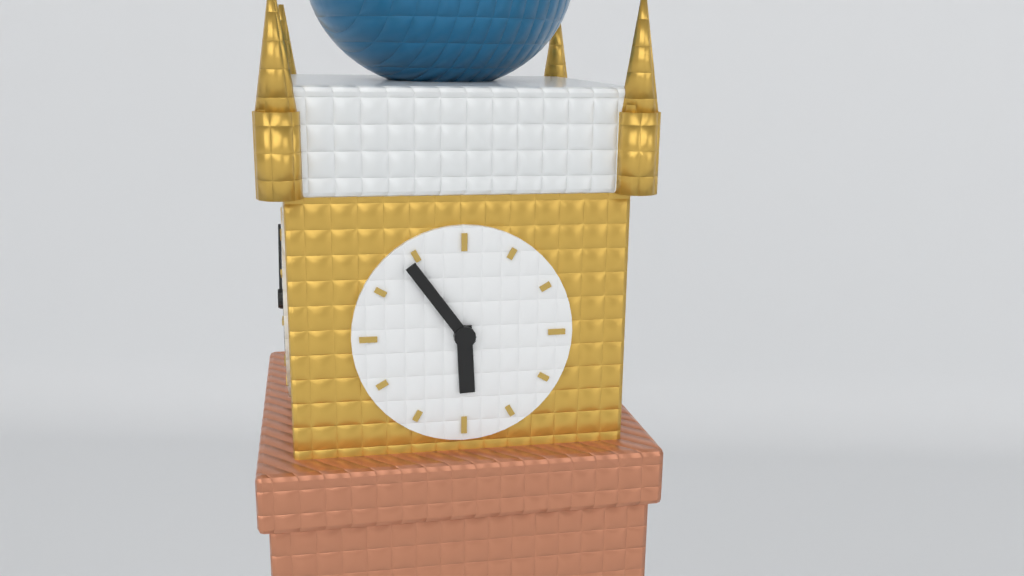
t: 5:54
